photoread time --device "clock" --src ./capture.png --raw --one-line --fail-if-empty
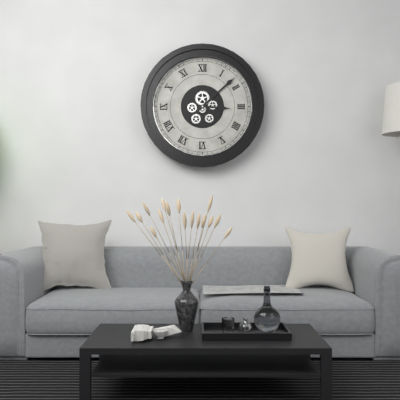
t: 3:08
